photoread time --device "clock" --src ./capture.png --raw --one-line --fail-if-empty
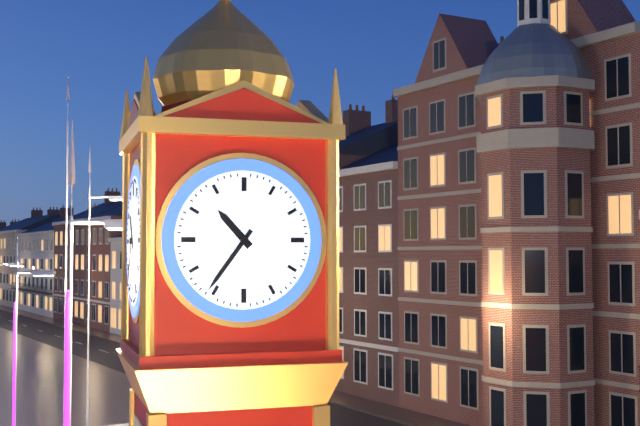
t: 10:36
